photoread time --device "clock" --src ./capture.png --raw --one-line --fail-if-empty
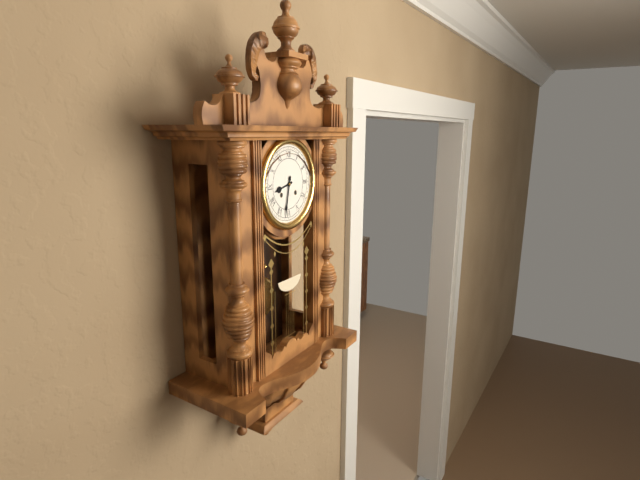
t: 8:32
